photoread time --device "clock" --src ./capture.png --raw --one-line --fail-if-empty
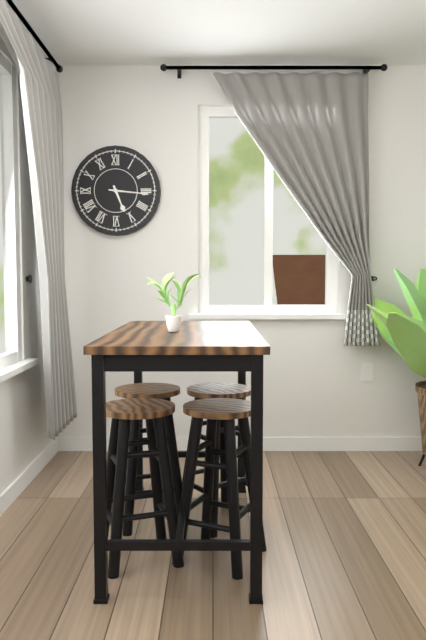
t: 5:16
